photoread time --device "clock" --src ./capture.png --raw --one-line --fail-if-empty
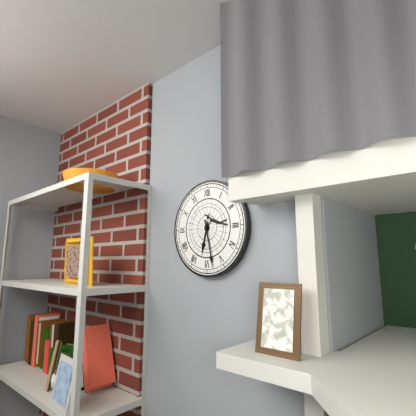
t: 6:28
